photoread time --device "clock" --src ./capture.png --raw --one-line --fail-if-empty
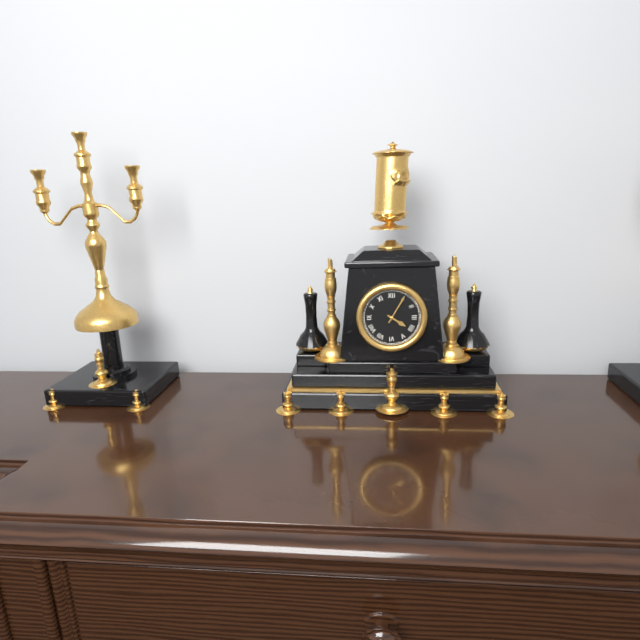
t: 4:05
